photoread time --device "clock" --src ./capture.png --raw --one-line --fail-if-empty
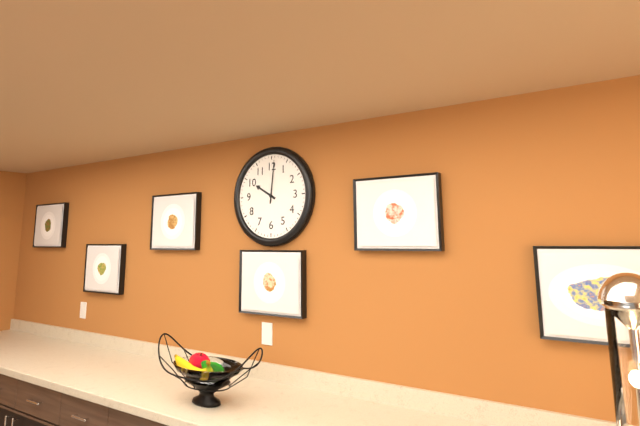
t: 10:01
